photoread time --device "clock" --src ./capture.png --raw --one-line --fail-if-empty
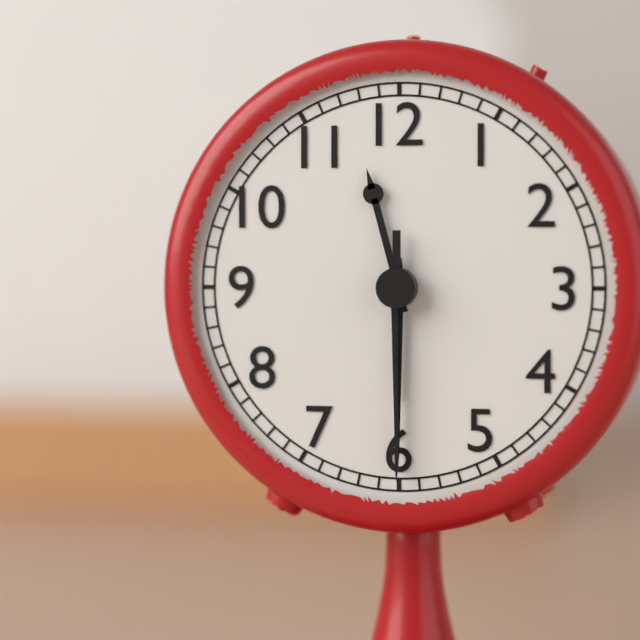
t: 11:30:30
